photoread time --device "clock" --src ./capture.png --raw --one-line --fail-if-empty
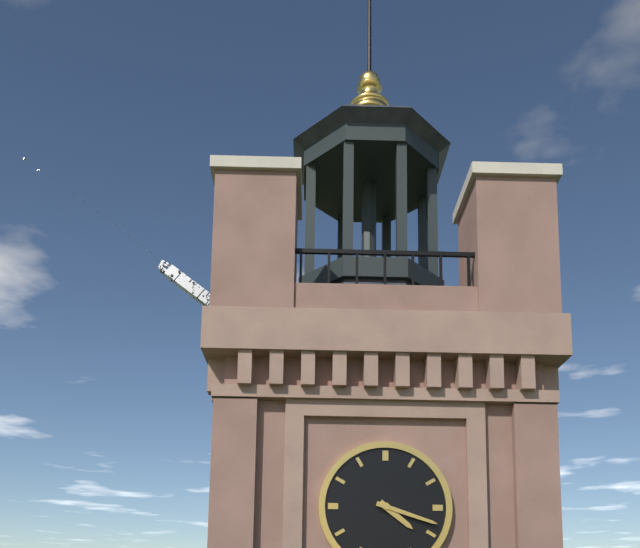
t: 4:18
